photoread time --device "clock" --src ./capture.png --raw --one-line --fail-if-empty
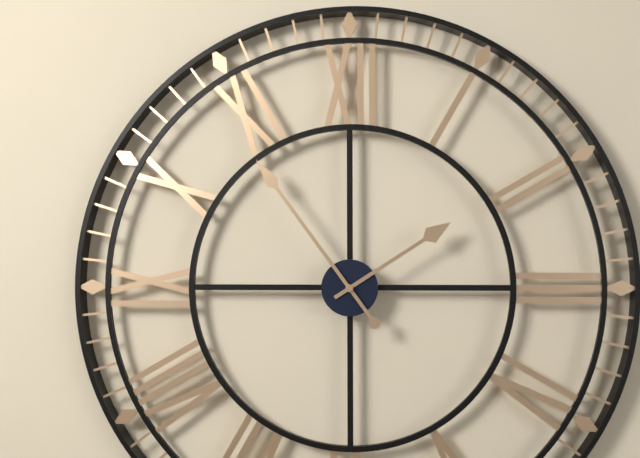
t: 1:54
